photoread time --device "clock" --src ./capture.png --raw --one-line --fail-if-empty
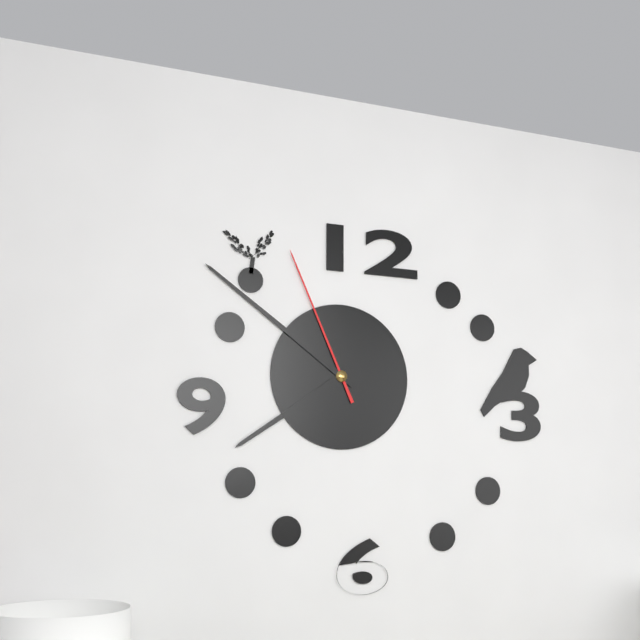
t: 7:51:56
